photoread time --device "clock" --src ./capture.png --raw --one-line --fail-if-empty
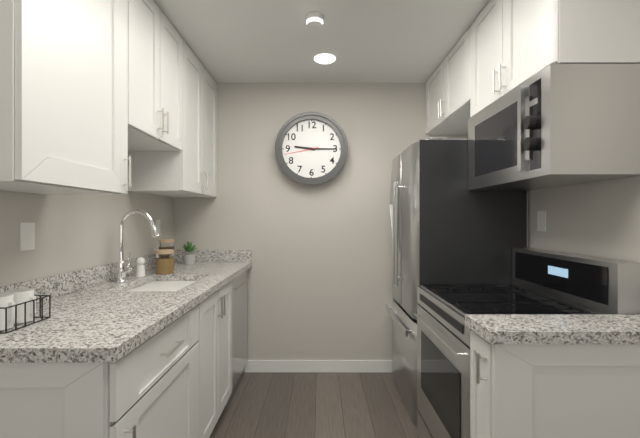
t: 9:15
